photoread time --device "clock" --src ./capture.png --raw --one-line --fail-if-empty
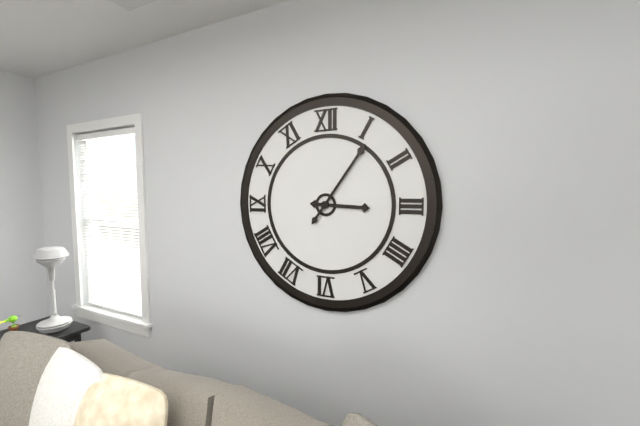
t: 3:06
